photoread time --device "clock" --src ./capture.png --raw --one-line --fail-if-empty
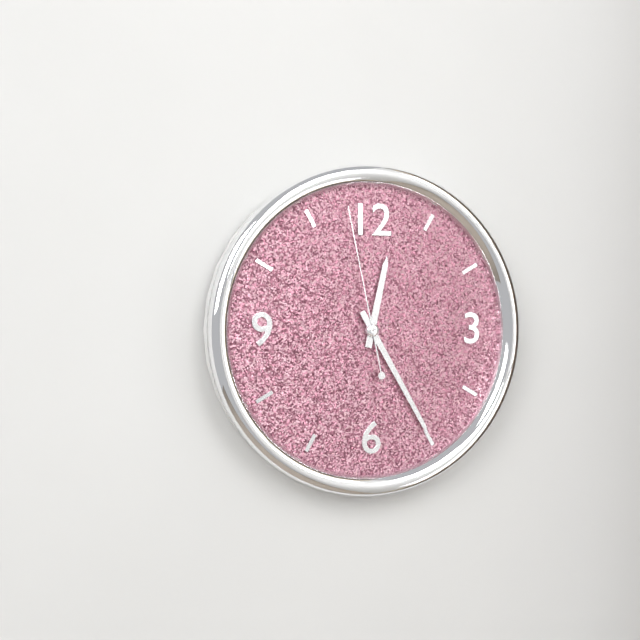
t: 12:25:58
